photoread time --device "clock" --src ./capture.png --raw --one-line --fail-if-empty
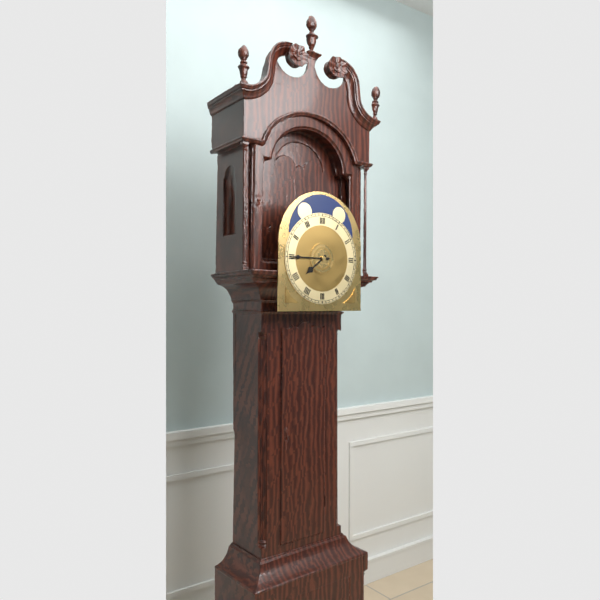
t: 7:45
